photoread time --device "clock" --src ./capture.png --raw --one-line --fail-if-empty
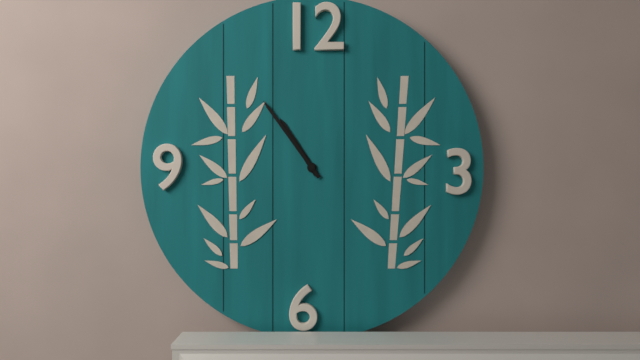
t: 10:54
